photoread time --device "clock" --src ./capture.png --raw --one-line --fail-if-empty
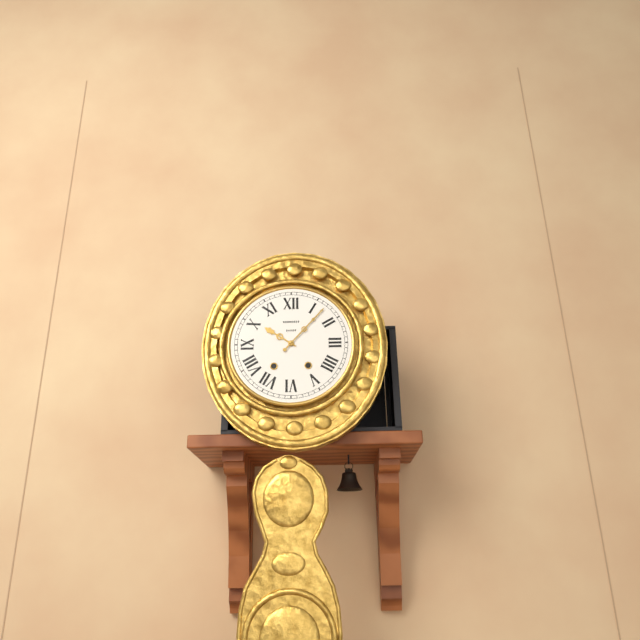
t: 10:07
